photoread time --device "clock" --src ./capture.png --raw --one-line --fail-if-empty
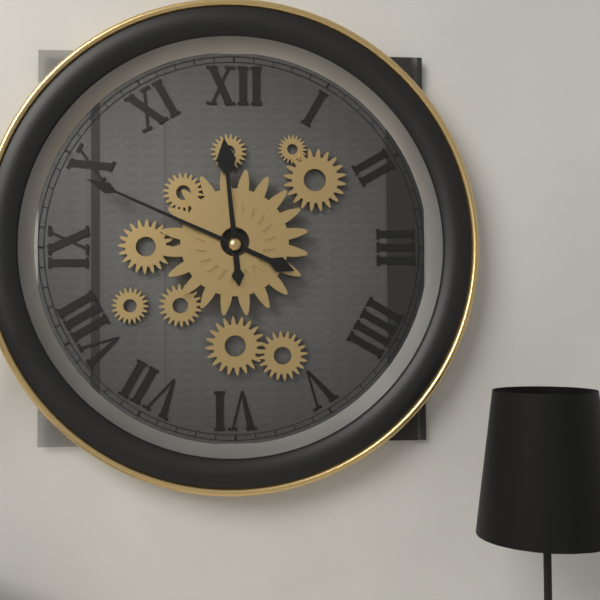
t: 11:49
